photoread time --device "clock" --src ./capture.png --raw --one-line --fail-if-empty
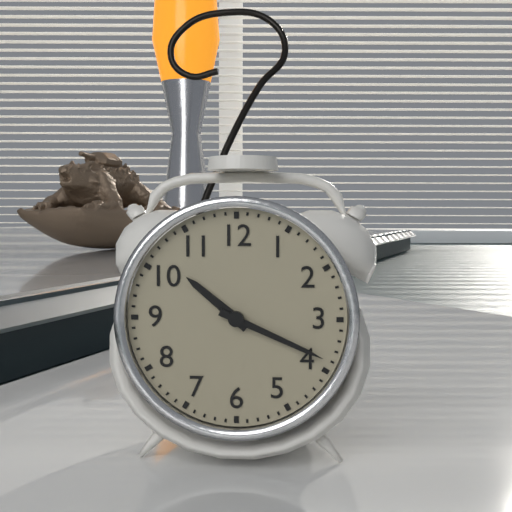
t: 10:19
